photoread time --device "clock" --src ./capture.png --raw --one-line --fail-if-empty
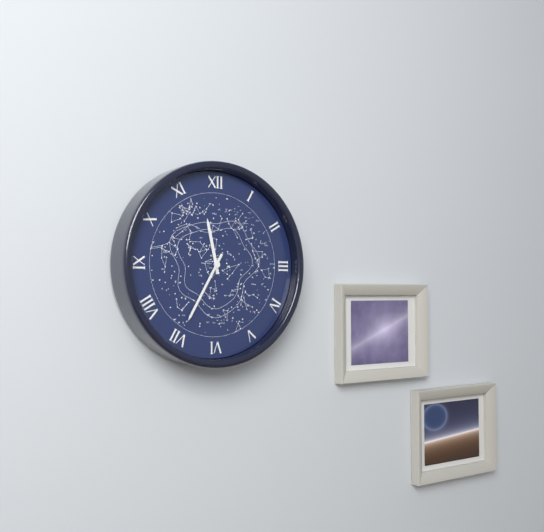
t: 11:35
